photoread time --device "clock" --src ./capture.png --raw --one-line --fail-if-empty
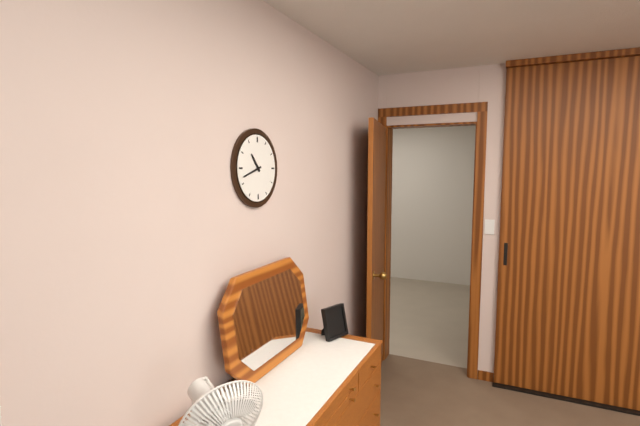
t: 10:42
